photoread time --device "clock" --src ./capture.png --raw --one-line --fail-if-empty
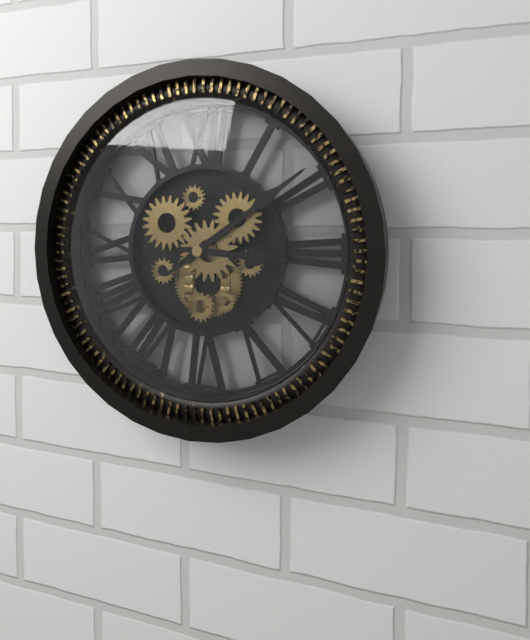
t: 3:09
